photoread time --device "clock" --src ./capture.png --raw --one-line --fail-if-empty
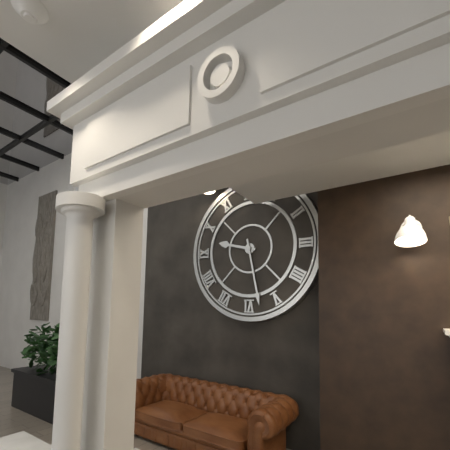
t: 9:28
